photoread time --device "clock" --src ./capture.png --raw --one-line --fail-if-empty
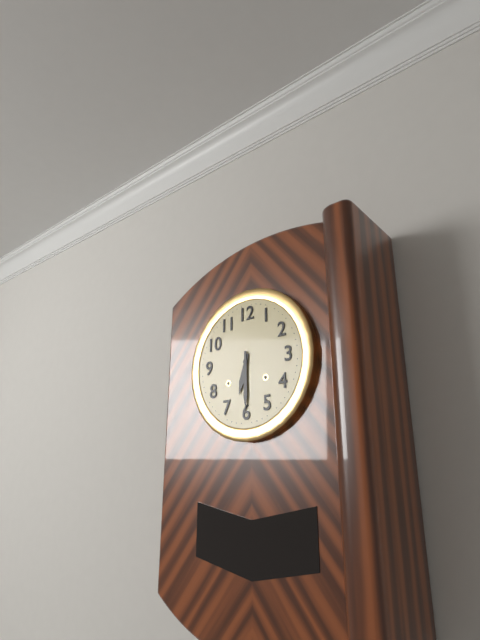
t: 6:30
